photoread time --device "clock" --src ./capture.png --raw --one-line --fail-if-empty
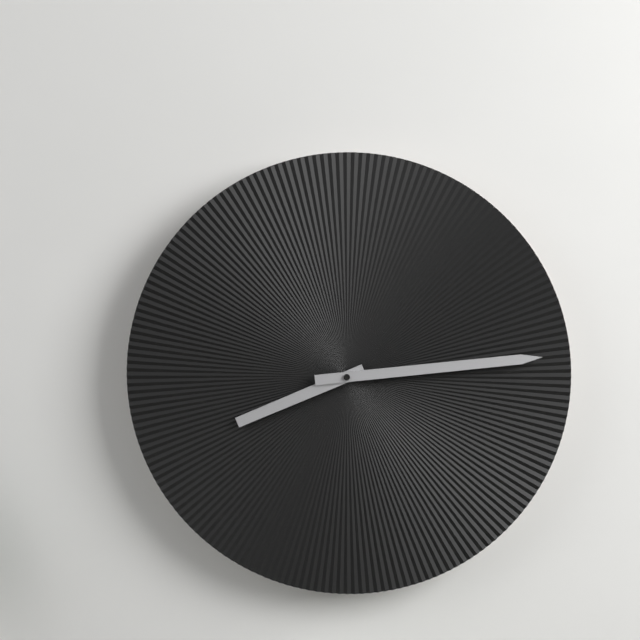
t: 8:14
